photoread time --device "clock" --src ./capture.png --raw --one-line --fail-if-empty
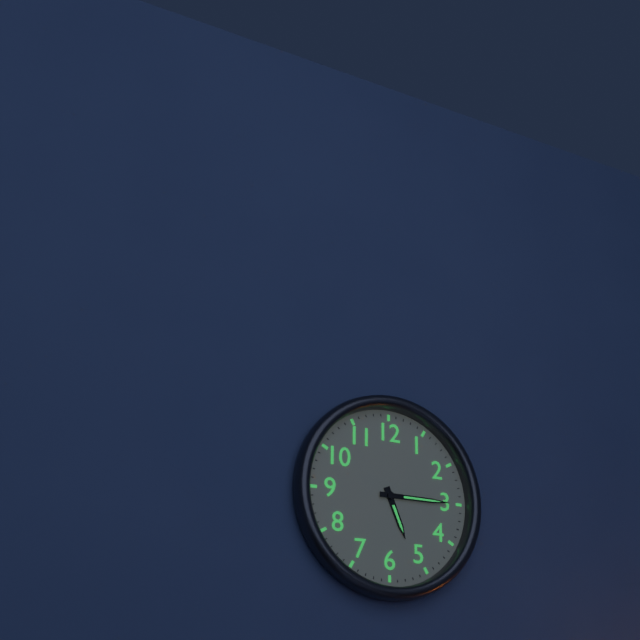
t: 5:15
